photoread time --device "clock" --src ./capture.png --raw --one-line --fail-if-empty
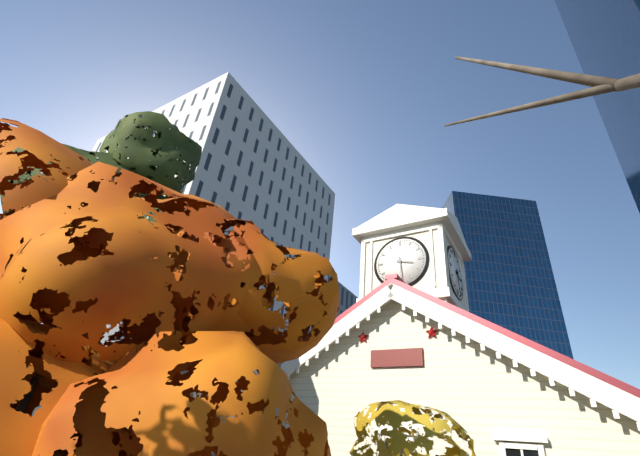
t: 3:29
